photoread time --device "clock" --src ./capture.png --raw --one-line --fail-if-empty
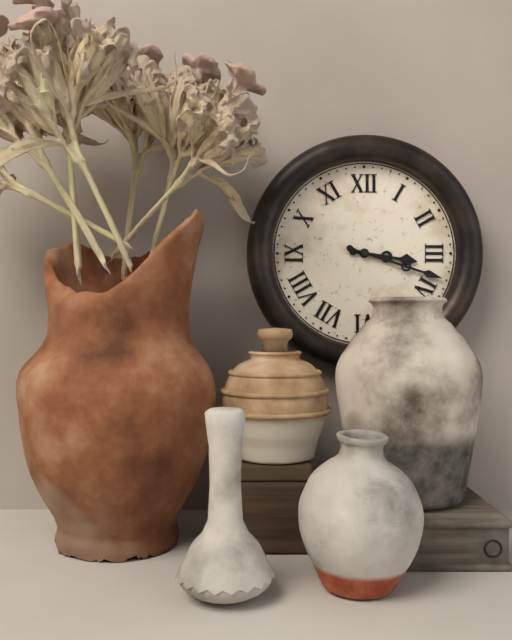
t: 3:18
